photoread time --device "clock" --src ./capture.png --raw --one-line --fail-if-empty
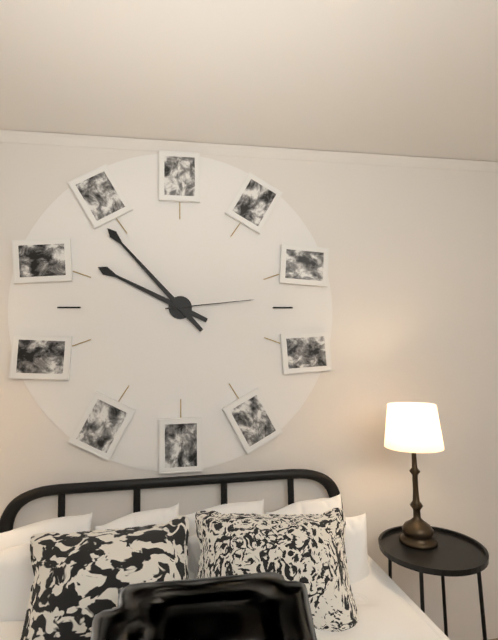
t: 9:53:14
